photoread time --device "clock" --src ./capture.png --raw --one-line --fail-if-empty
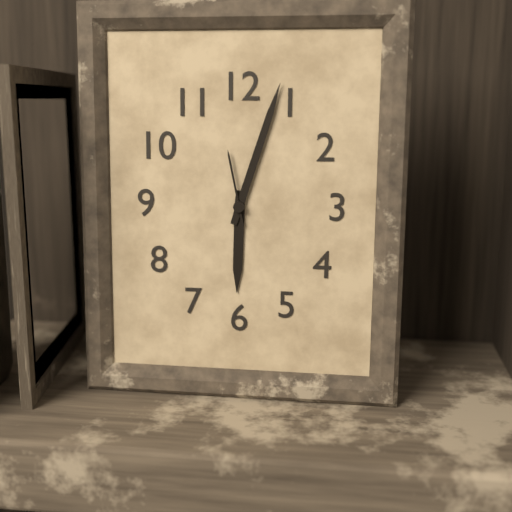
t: 6:03:58
